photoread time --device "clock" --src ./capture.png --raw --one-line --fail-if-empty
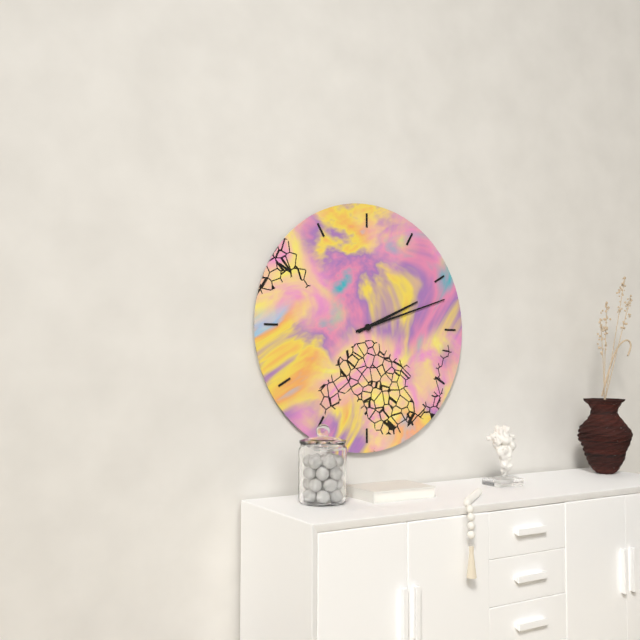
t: 2:12
